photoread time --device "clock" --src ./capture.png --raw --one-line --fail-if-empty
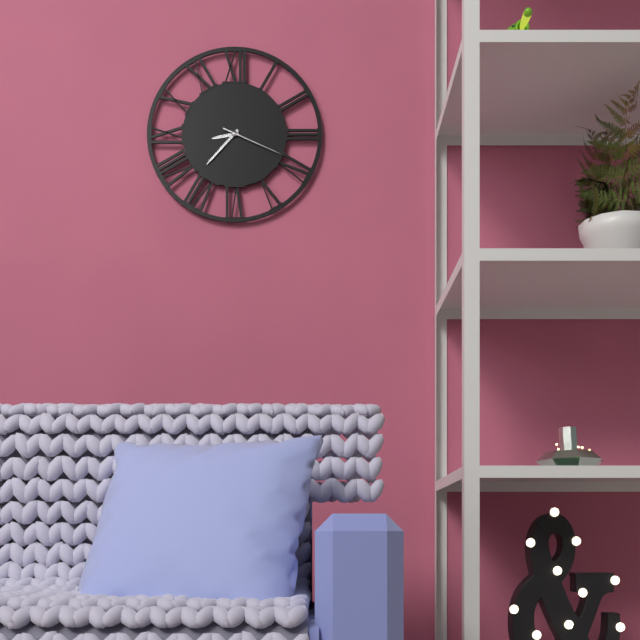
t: 8:37:19
